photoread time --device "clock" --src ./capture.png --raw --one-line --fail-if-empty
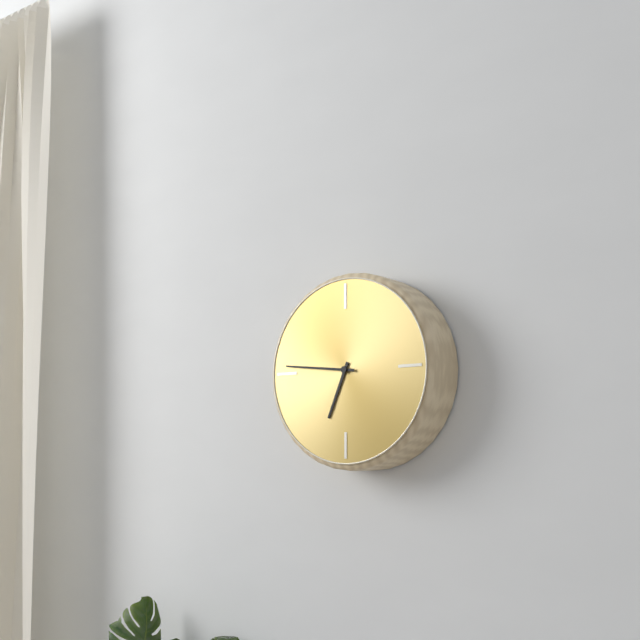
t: 6:46
